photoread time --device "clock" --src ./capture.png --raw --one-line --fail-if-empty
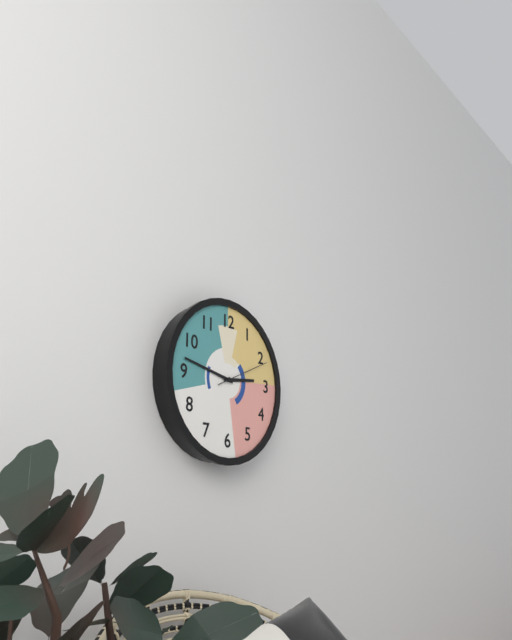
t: 2:47:11
